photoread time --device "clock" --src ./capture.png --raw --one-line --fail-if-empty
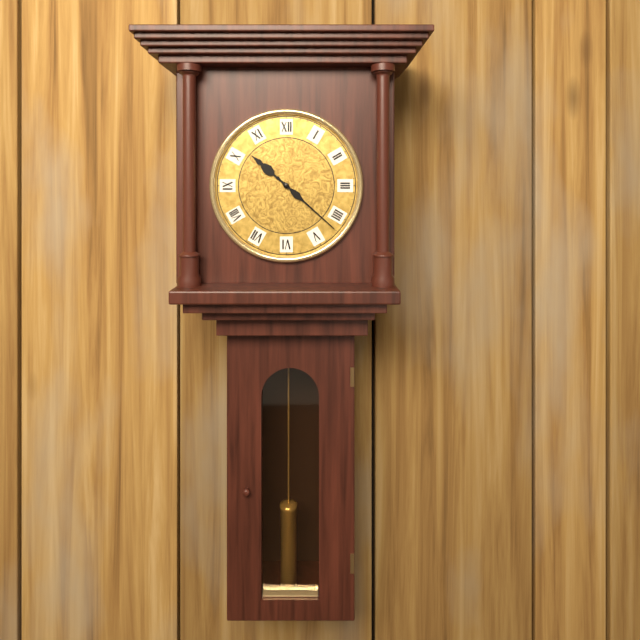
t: 10:22
